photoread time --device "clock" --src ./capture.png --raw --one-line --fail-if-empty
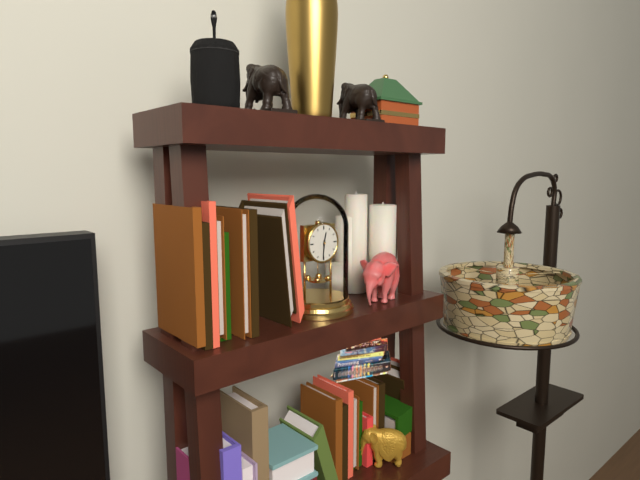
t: 12:31
